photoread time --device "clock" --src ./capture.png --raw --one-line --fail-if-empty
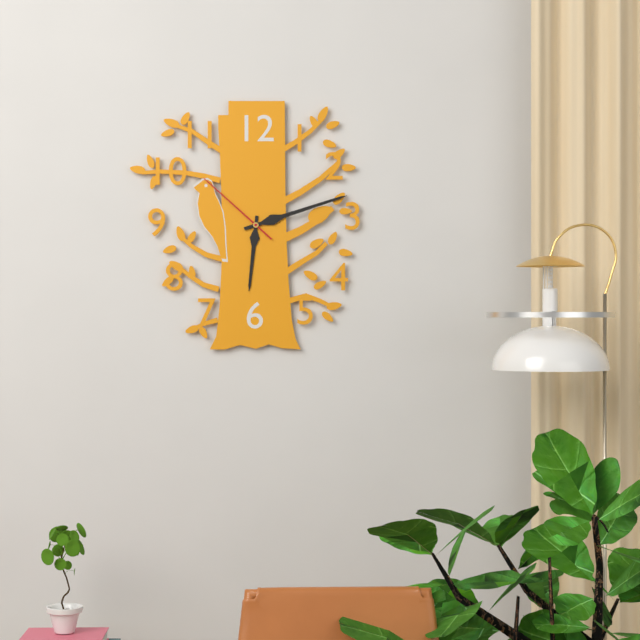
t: 6:12:52
